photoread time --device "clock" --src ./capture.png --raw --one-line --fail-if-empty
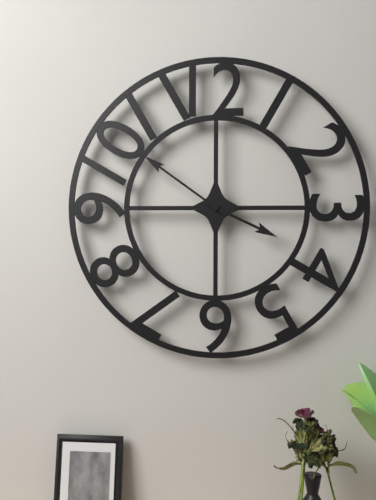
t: 3:51
